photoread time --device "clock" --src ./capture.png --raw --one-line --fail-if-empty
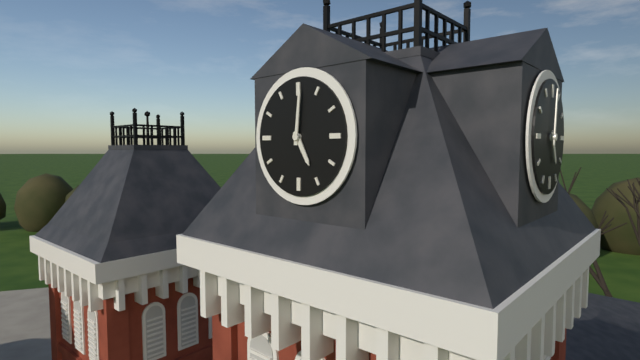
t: 5:01
